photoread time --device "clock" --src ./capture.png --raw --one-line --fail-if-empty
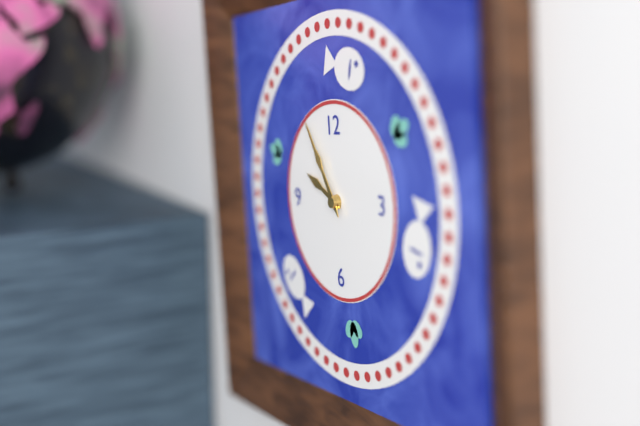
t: 9:55
